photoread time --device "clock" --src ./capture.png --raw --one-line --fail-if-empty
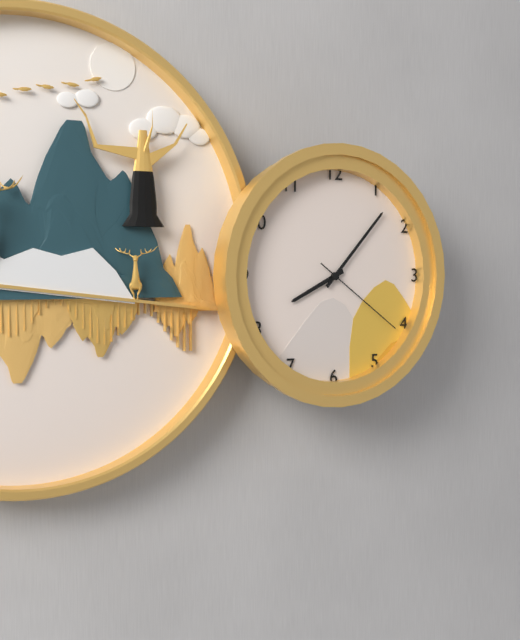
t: 8:07:21
